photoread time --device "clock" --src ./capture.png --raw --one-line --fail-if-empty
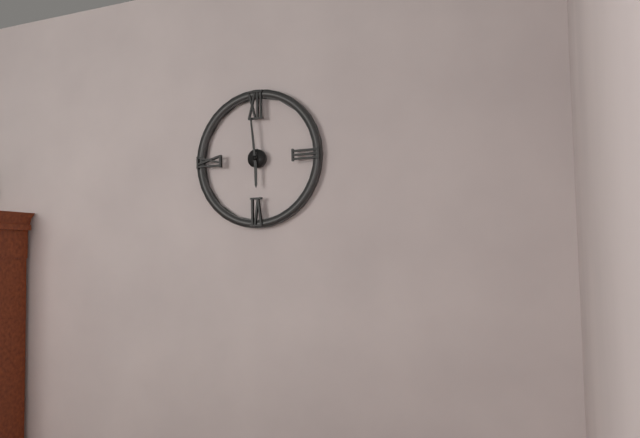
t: 5:59
